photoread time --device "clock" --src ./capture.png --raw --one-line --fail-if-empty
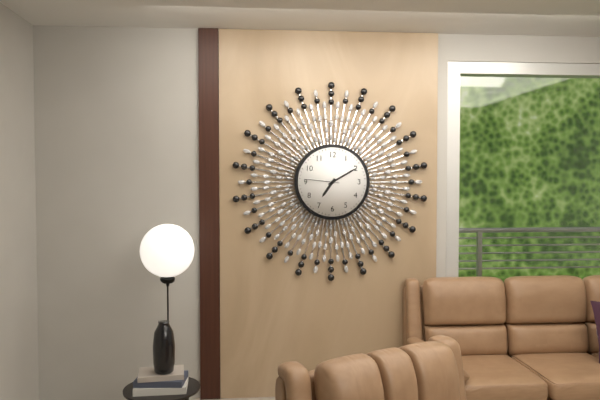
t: 7:10
